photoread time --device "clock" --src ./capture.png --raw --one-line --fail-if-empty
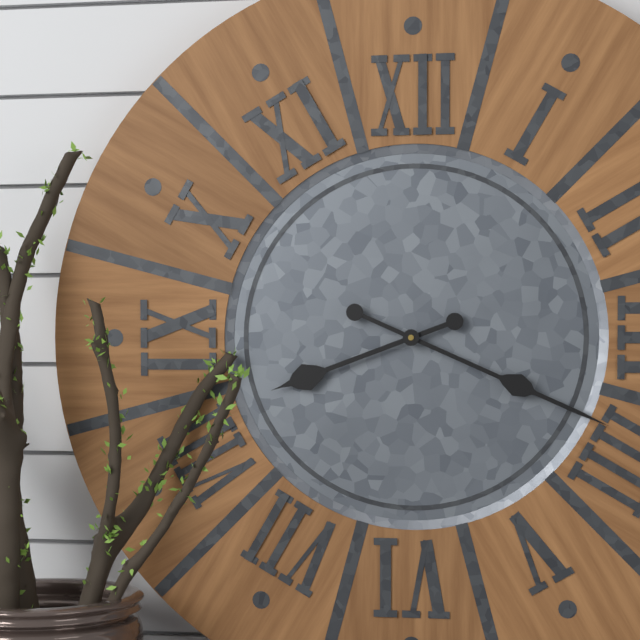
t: 8:19
